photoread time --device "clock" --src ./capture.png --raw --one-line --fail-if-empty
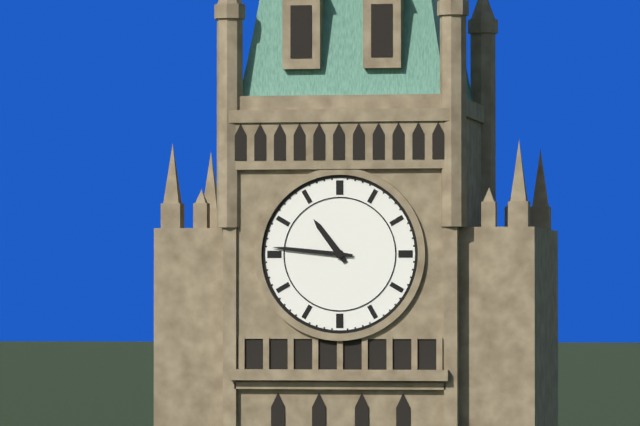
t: 10:46
